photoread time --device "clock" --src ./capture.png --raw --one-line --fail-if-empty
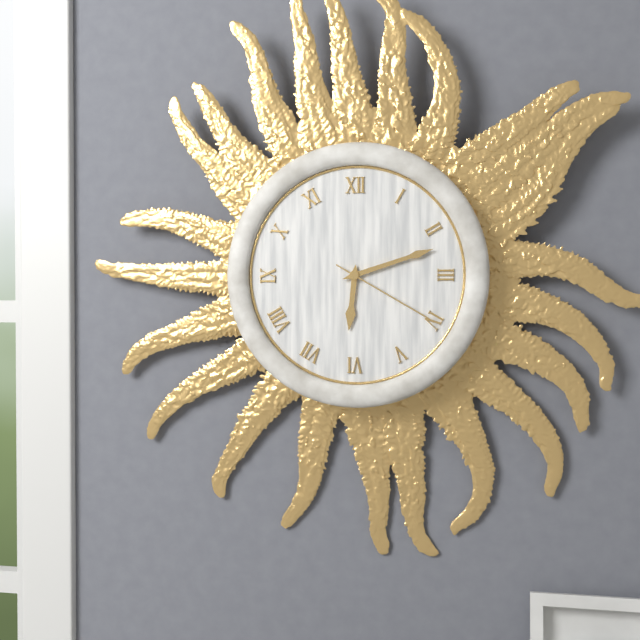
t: 6:12:20
